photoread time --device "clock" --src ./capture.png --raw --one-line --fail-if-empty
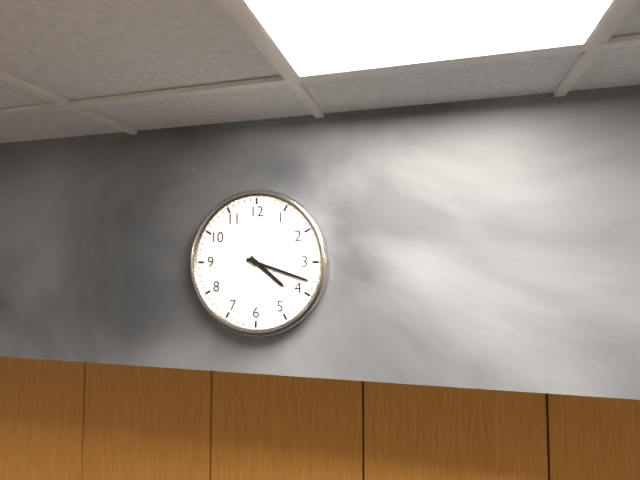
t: 4:18
